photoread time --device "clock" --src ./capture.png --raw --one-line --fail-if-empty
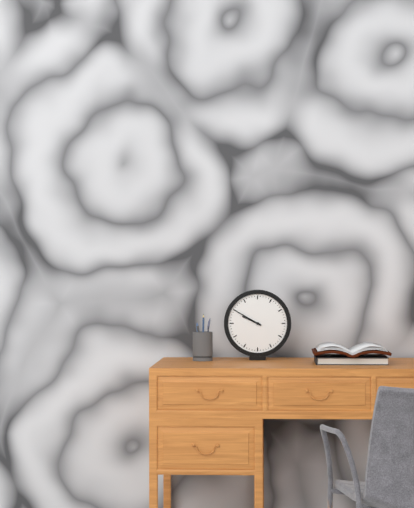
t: 9:50
